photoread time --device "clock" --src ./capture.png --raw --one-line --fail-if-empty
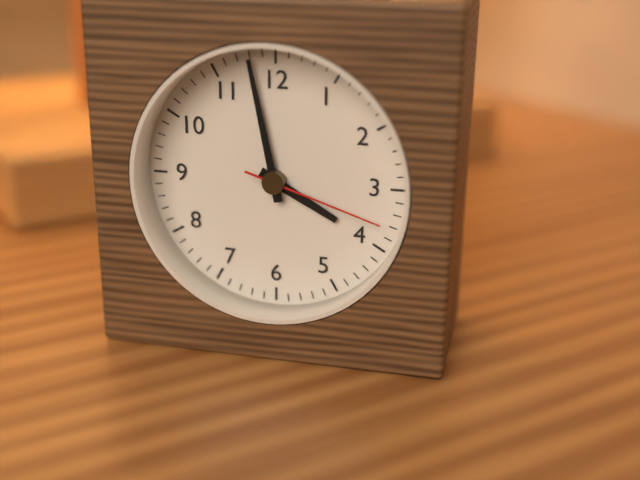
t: 3:58:18
